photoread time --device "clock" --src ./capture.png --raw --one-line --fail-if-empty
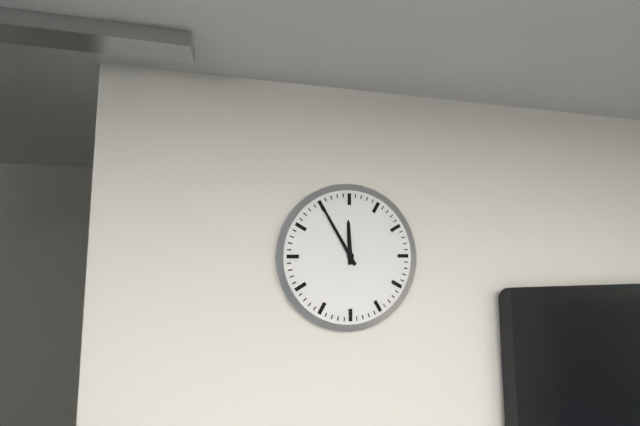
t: 11:55
